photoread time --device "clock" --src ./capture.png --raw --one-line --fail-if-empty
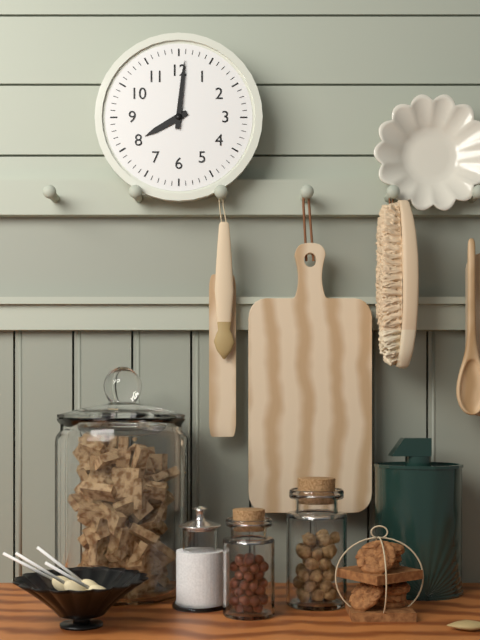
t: 8:01
